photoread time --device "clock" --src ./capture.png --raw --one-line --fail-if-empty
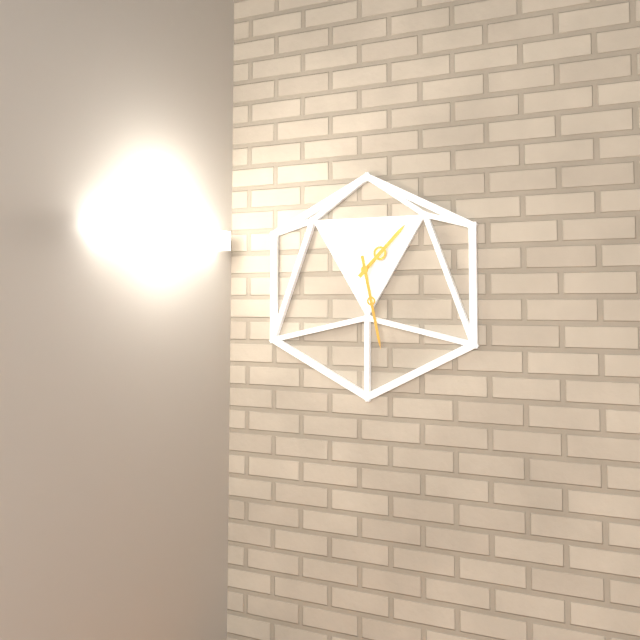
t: 1:28
